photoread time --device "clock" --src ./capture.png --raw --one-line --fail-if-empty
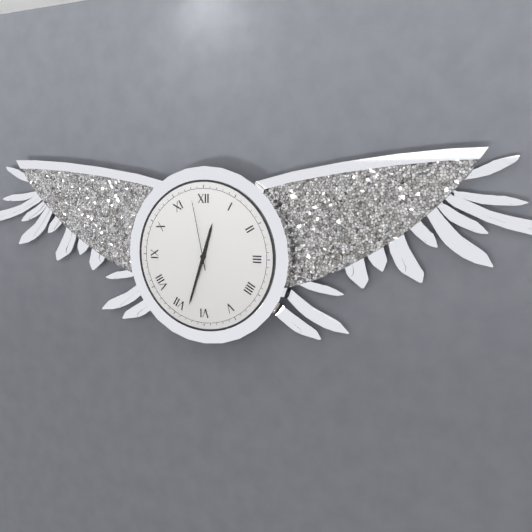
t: 12:33:58
